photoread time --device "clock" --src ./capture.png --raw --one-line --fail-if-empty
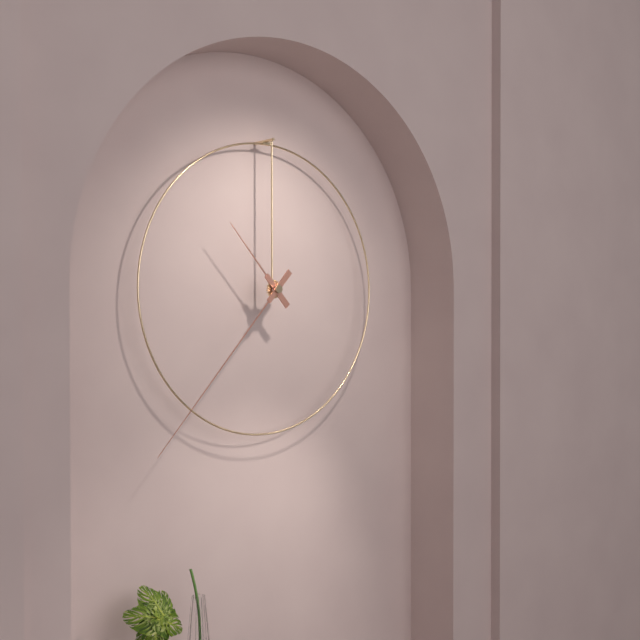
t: 10:37
